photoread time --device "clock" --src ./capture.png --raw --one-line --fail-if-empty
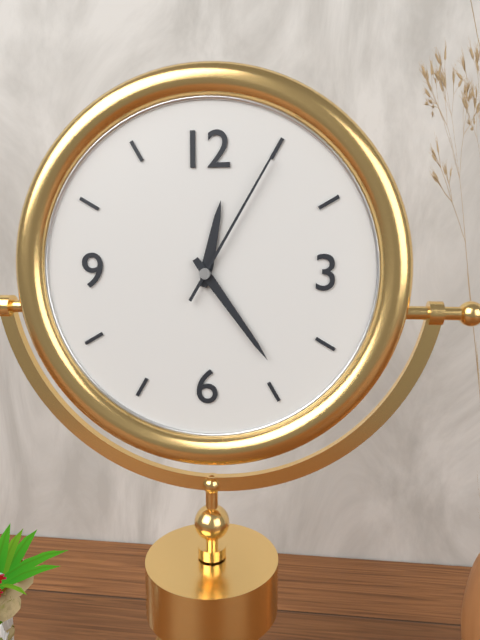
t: 12:24:05
